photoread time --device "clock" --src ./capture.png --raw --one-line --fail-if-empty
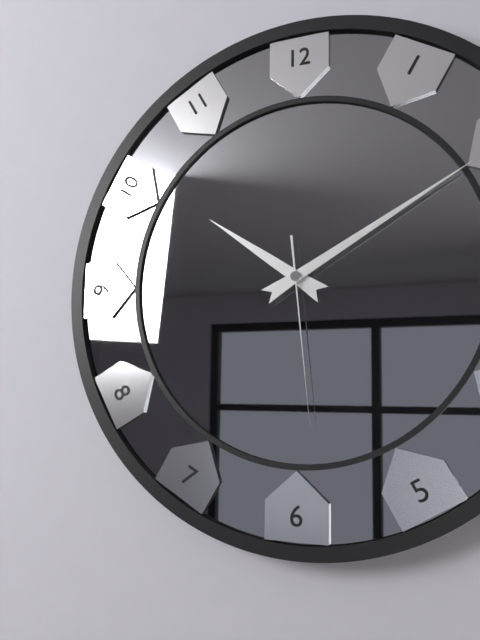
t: 10:10:29
